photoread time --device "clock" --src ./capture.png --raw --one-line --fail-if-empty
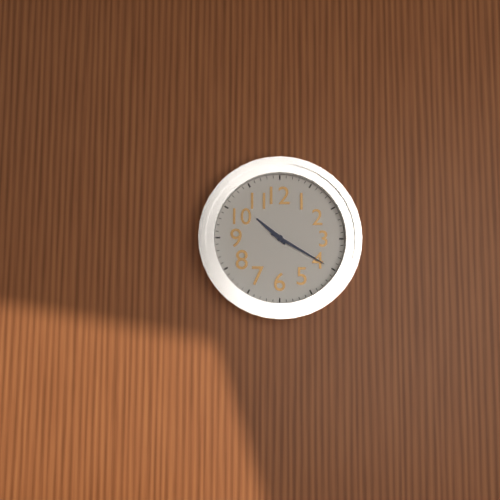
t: 10:20
